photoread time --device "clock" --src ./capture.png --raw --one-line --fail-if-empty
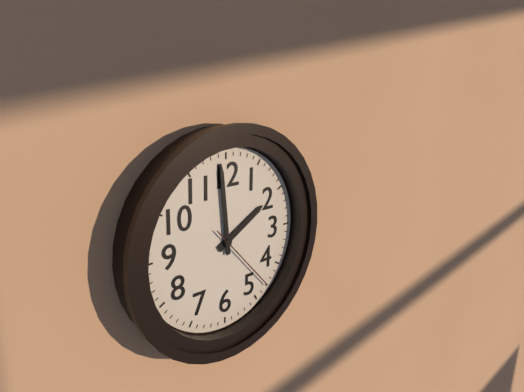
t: 1:59:23
